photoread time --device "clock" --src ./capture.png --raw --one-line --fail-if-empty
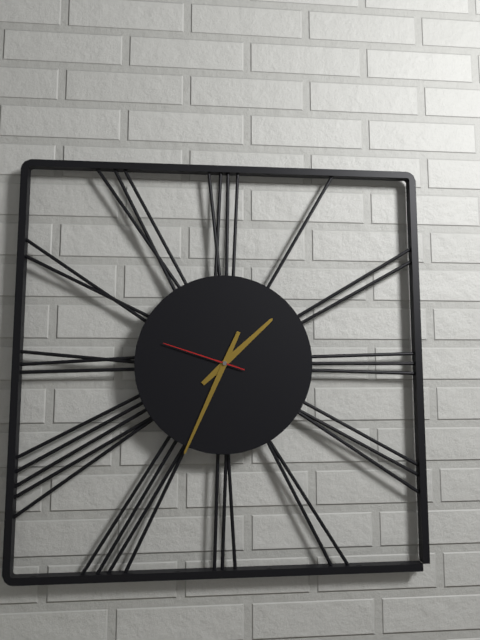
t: 1:34:48
